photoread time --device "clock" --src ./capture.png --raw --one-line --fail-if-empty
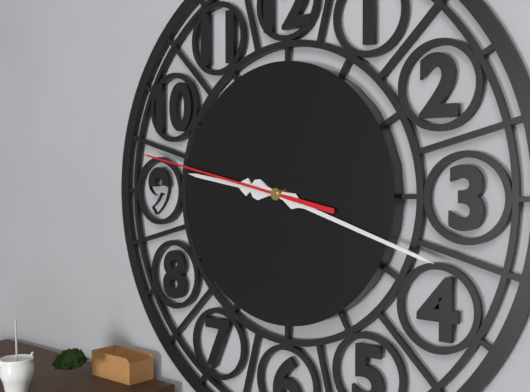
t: 9:18:47
